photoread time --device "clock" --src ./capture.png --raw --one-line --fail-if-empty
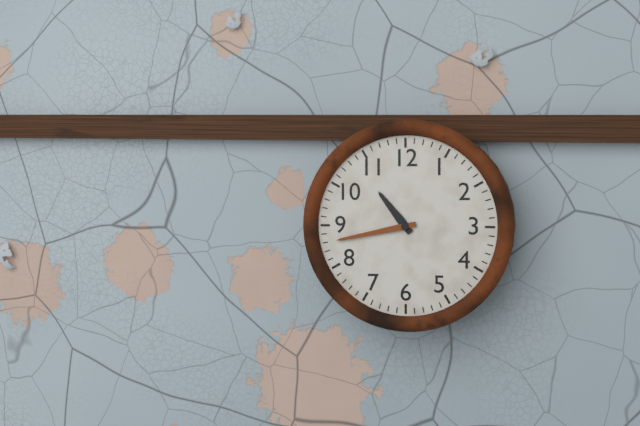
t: 10:43
